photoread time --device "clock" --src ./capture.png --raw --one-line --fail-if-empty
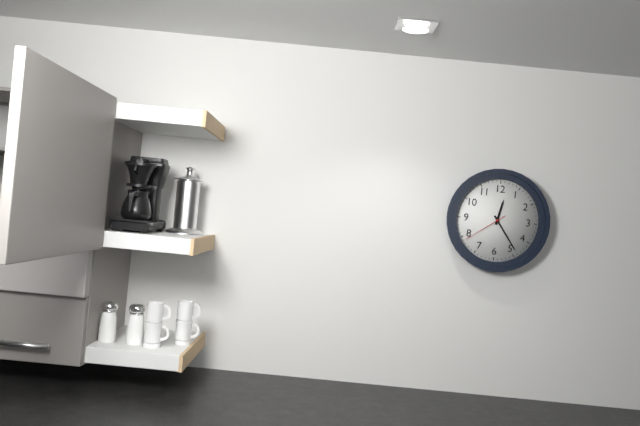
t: 12:24
